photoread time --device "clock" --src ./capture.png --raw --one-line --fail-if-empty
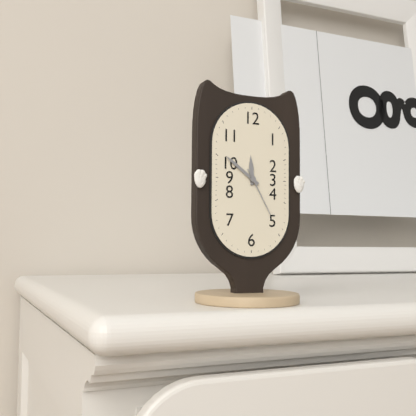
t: 11:51
